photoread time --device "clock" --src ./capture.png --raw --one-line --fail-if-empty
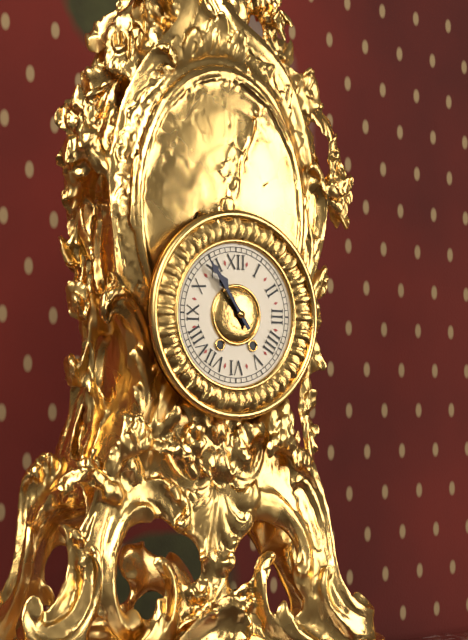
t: 10:54
